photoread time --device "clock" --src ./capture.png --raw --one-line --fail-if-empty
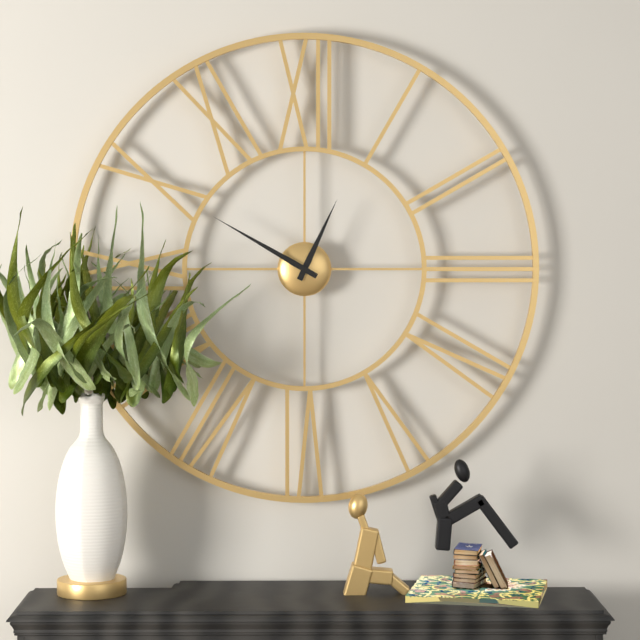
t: 12:50
